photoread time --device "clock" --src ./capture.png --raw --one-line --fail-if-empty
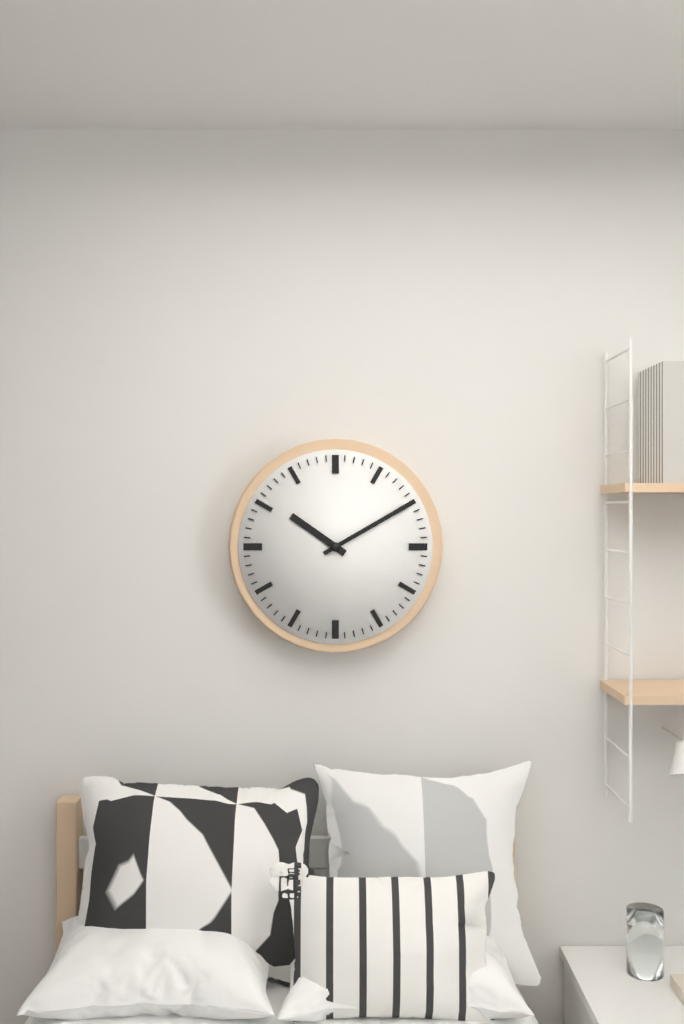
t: 10:10
